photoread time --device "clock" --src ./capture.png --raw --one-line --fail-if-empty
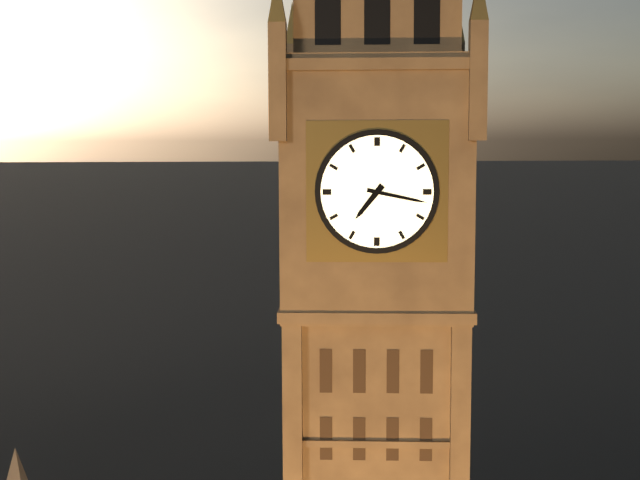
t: 7:17
